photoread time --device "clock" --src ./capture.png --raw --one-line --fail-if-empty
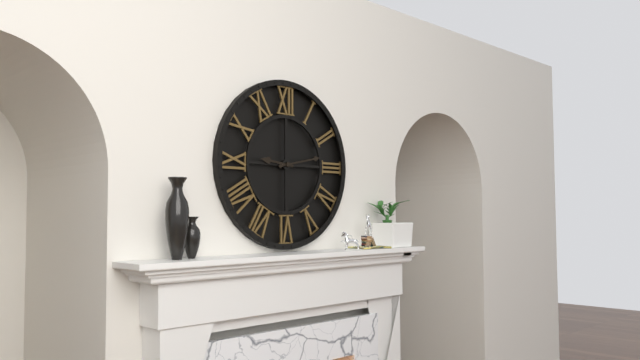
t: 9:13
